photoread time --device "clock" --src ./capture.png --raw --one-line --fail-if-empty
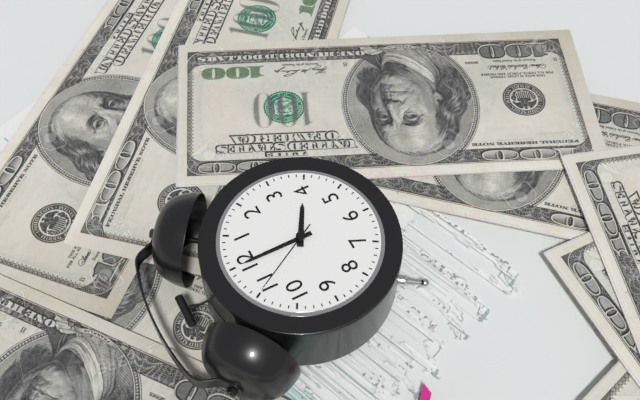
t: 4:00:55
